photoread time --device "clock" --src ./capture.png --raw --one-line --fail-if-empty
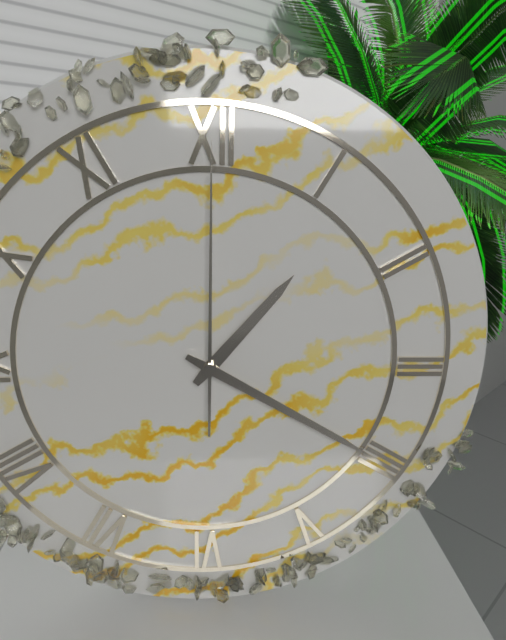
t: 1:20:00
